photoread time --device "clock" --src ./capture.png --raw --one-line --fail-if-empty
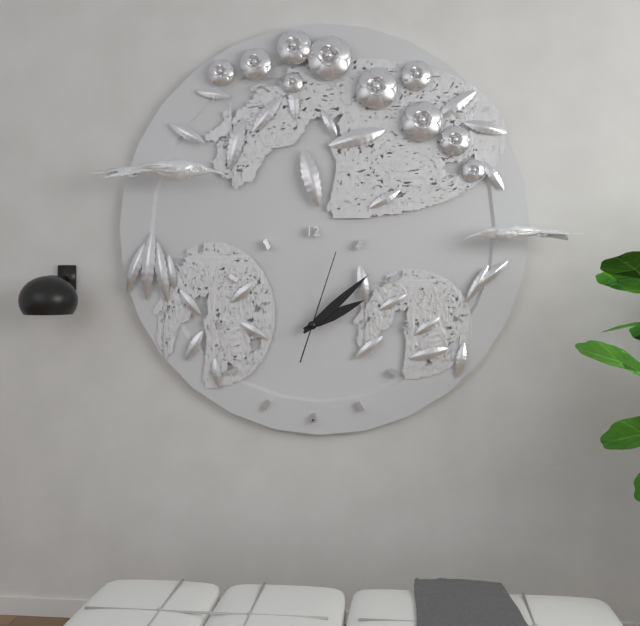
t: 2:08:03
